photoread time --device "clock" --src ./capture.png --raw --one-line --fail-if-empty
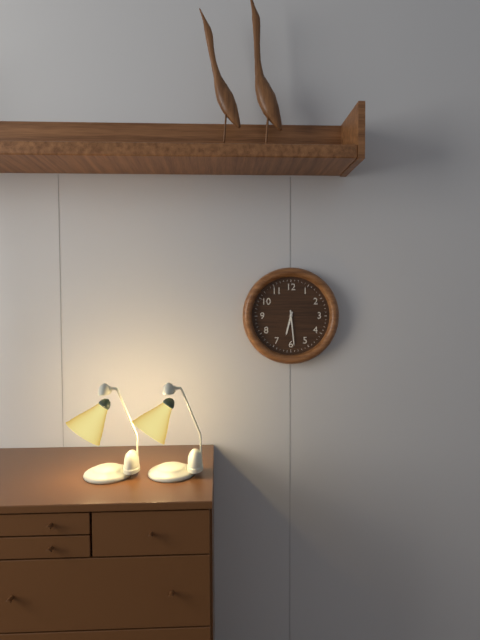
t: 6:29
